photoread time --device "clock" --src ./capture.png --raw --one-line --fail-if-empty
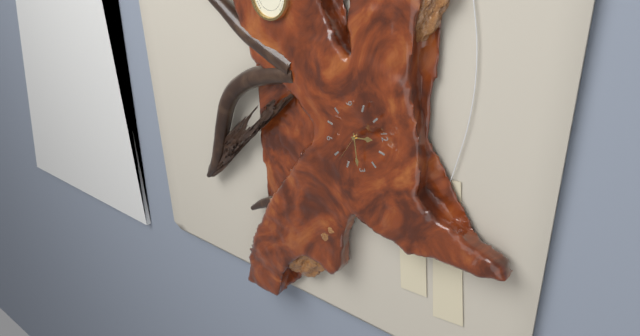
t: 12:16
